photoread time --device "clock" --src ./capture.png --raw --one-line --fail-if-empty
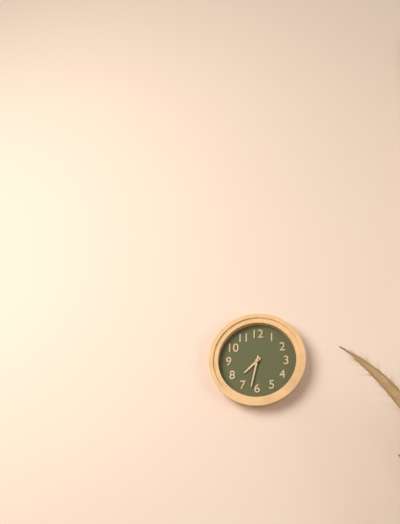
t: 7:32
